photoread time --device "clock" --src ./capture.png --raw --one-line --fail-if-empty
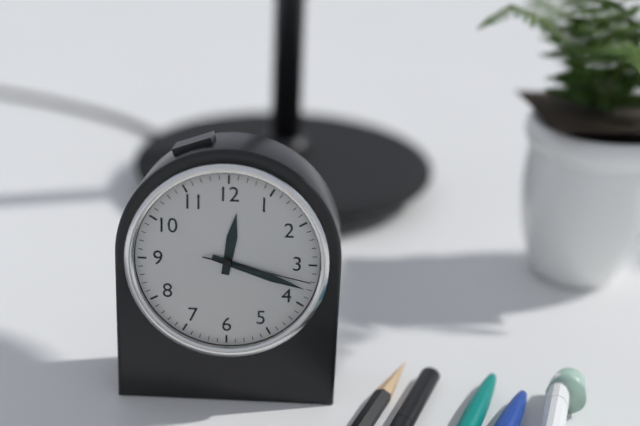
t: 12:18:17
